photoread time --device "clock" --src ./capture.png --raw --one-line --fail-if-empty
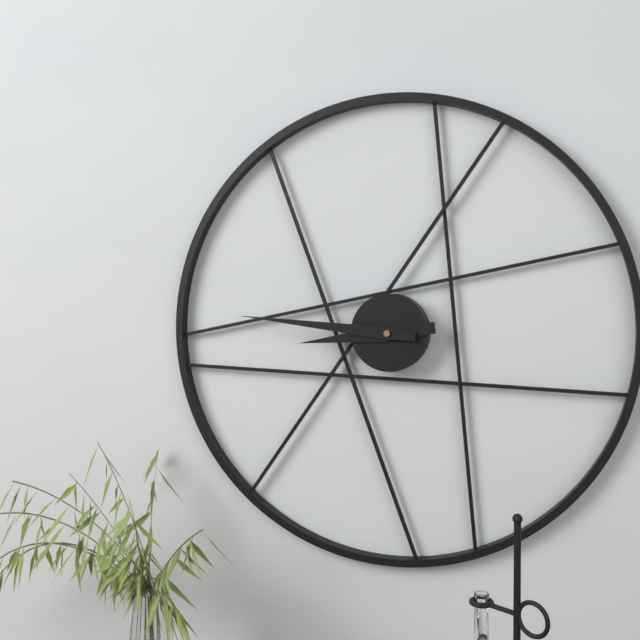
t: 8:46
